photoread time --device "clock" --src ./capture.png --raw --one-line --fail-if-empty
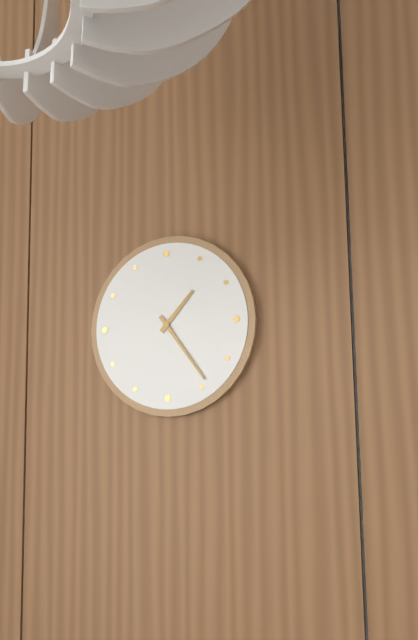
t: 1:24
